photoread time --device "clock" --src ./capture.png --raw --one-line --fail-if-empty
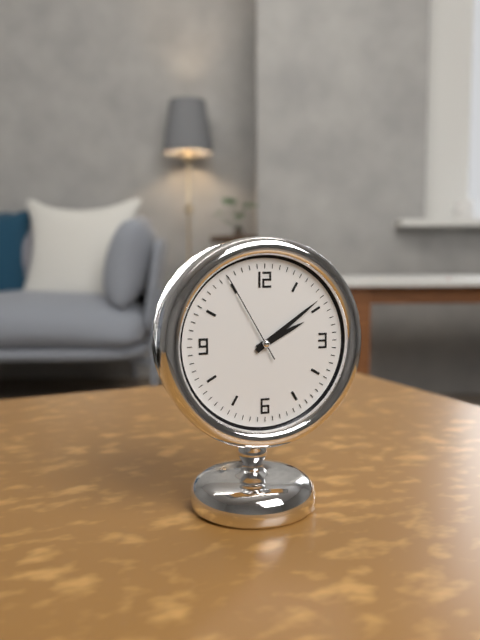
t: 2:09:55
